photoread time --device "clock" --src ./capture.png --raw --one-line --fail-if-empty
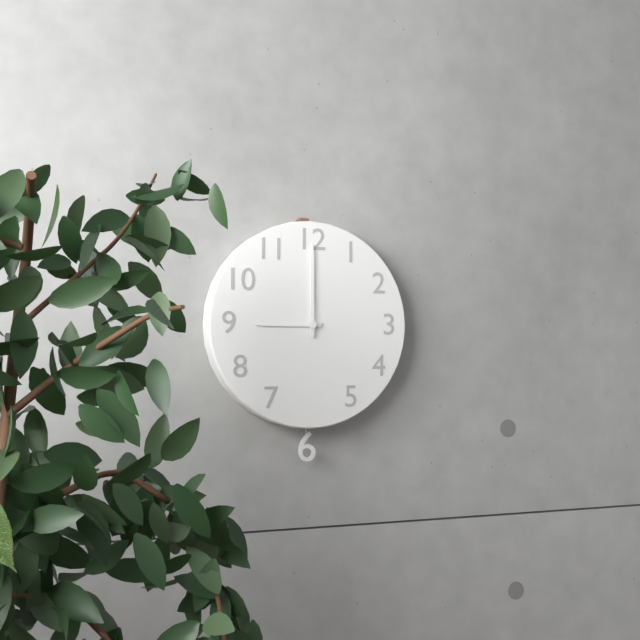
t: 9:00
